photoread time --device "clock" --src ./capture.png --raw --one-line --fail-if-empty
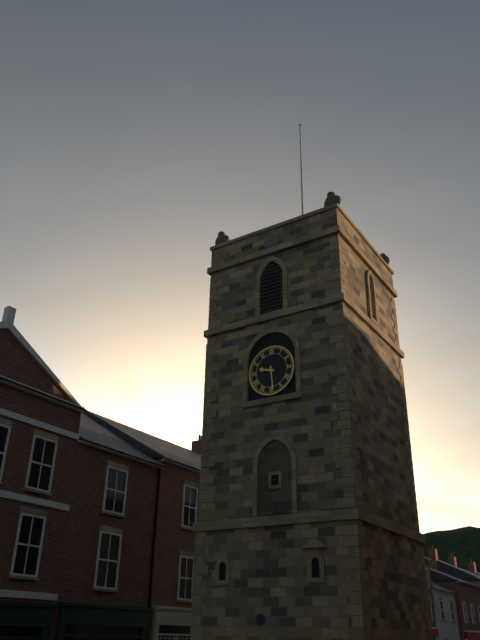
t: 9:29
